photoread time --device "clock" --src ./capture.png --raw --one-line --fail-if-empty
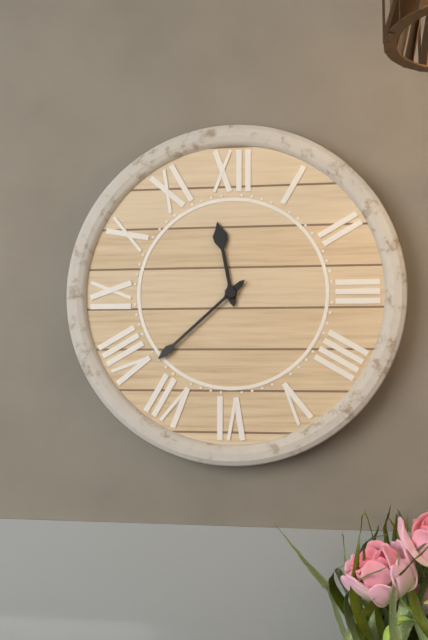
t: 11:38
